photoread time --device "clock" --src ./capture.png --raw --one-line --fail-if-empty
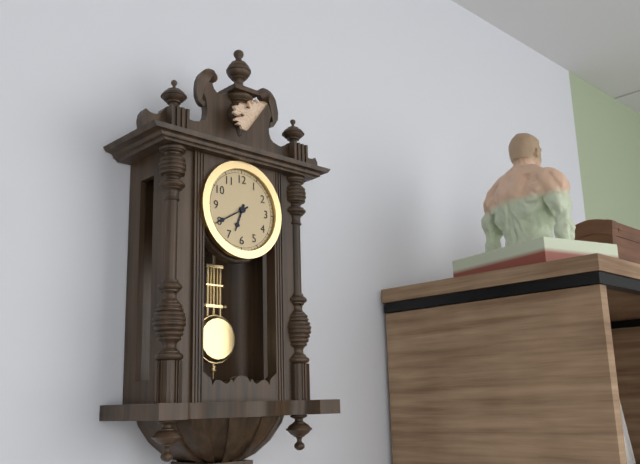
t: 6:40
